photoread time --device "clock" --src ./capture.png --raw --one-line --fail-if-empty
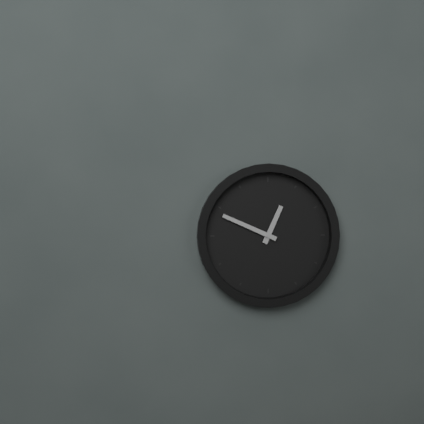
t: 12:49
